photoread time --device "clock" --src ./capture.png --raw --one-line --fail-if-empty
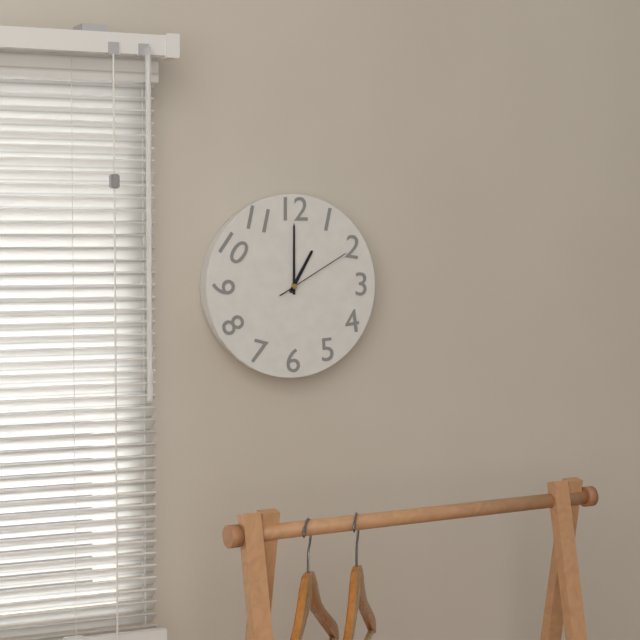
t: 1:00:10
